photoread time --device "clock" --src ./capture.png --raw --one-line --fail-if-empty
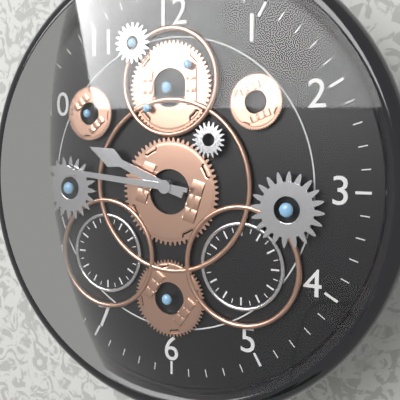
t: 9:46
